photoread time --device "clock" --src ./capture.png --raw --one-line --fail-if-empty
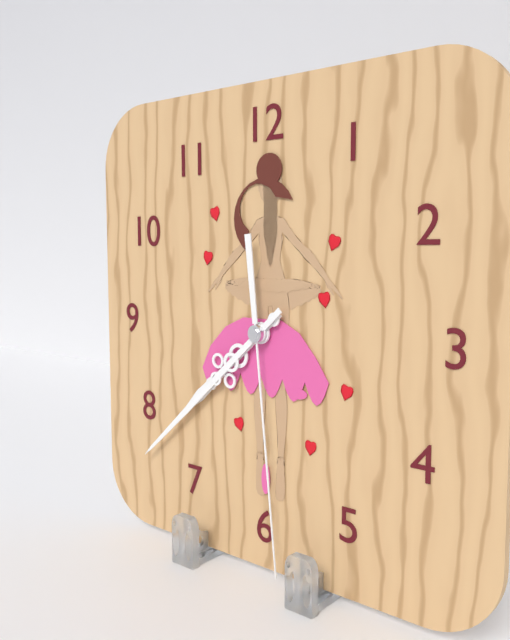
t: 7:38:29
